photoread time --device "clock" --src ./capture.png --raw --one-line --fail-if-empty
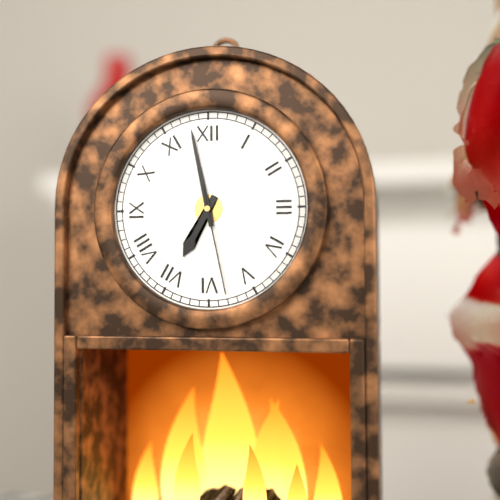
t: 6:58:28
